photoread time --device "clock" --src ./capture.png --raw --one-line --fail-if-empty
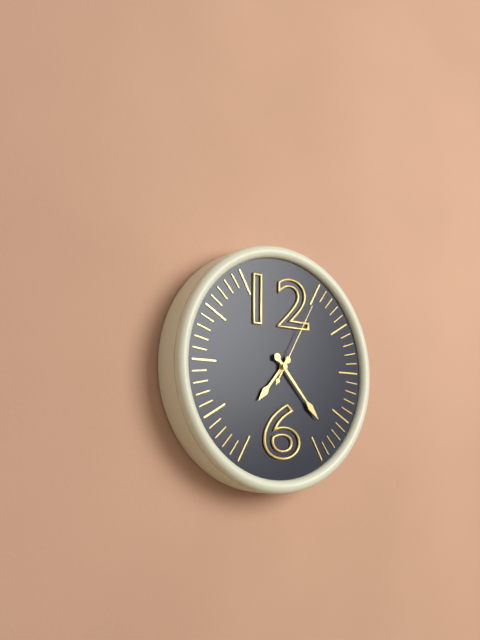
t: 7:23:05
